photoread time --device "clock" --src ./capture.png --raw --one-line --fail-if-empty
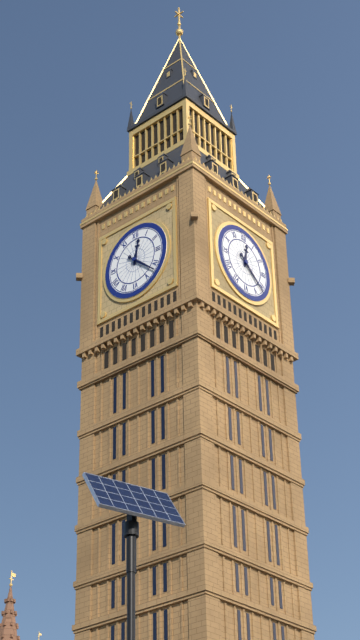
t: 12:22
